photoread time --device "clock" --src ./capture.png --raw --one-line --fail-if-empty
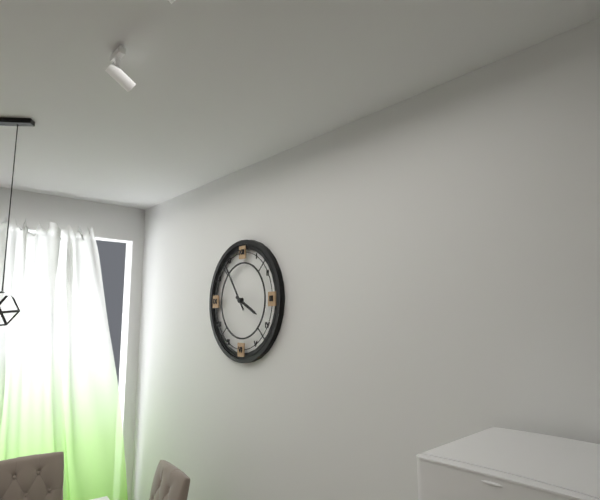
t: 3:54
